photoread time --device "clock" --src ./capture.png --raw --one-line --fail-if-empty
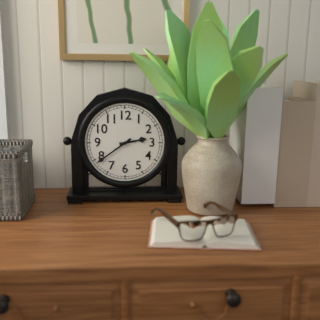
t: 2:39
